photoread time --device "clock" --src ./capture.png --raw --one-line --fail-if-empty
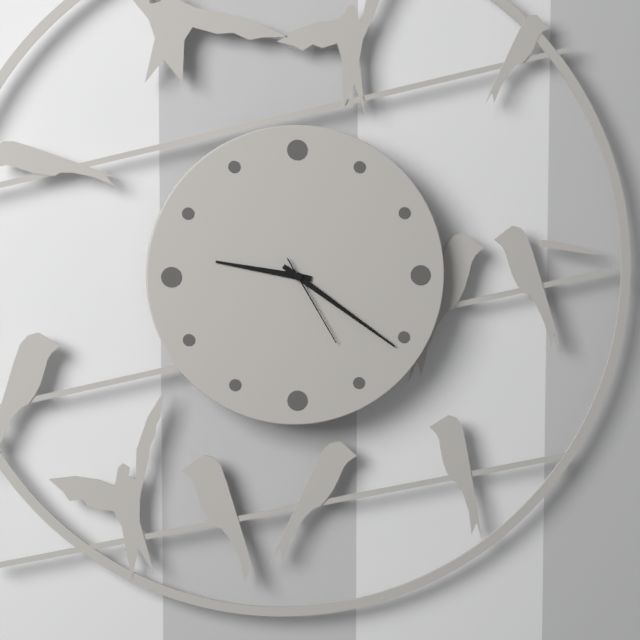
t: 9:21:25
